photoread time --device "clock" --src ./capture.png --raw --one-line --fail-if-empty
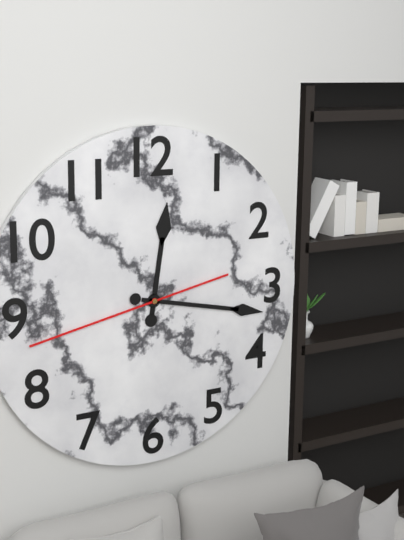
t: 12:17:43
